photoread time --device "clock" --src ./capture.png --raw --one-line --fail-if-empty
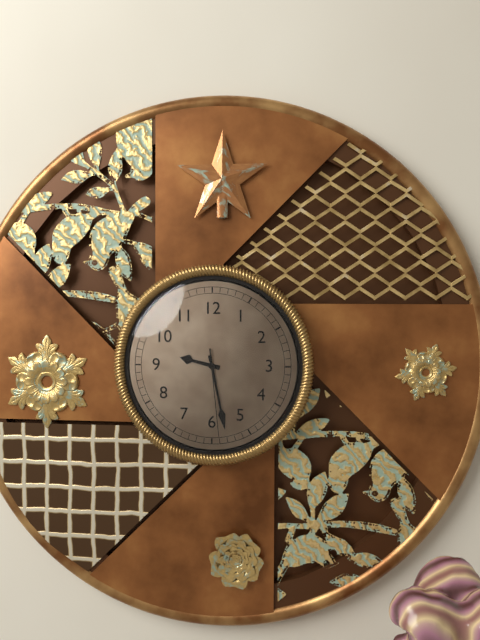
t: 9:28:29
